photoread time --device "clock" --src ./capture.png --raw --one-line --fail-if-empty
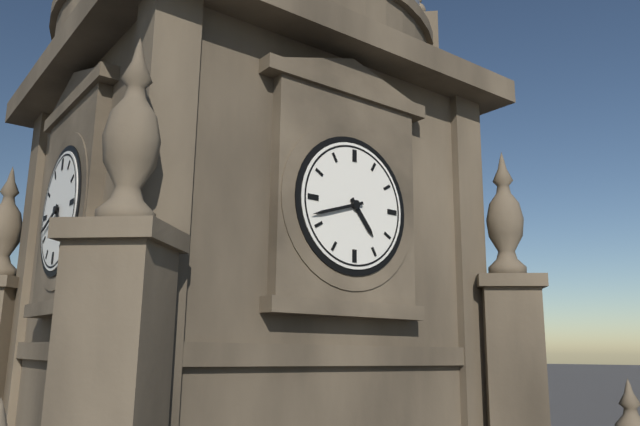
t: 4:42
